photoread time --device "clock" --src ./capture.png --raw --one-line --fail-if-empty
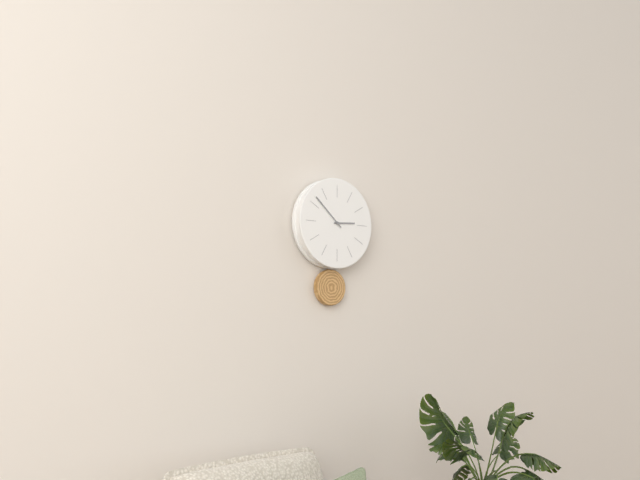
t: 2:52
